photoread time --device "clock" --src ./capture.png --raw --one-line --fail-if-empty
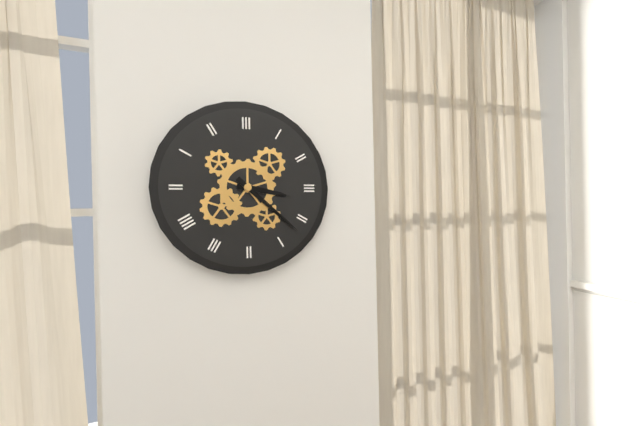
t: 3:22
